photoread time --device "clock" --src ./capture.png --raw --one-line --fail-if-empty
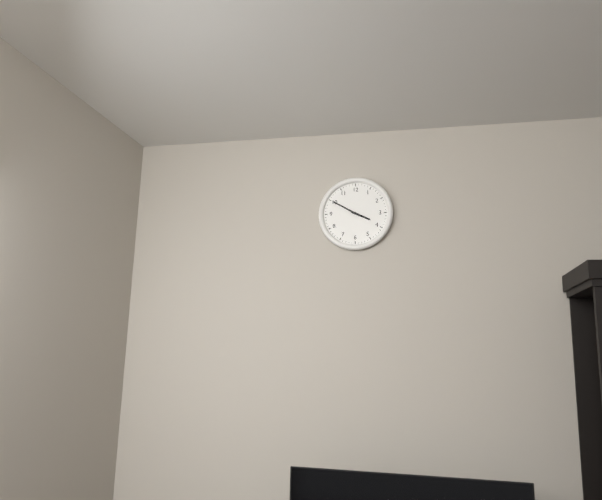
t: 3:50
